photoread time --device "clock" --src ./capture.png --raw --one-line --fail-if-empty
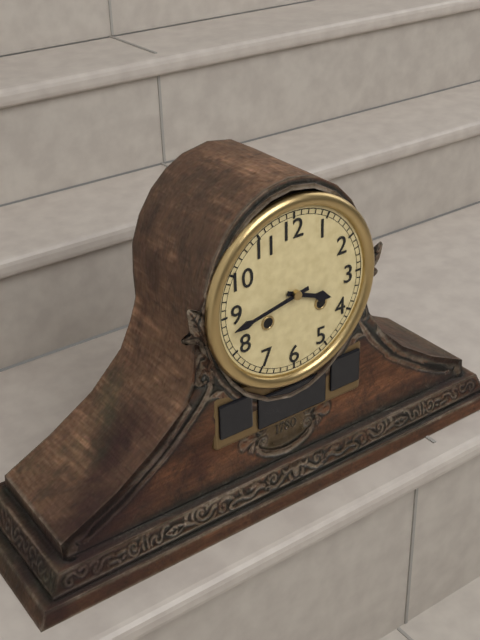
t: 3:43
